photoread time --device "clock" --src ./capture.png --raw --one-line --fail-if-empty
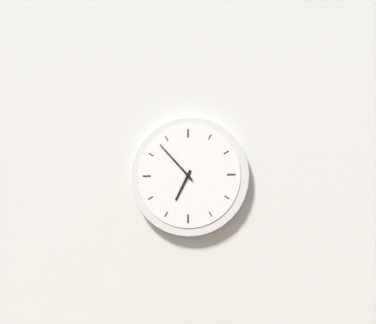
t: 6:53
